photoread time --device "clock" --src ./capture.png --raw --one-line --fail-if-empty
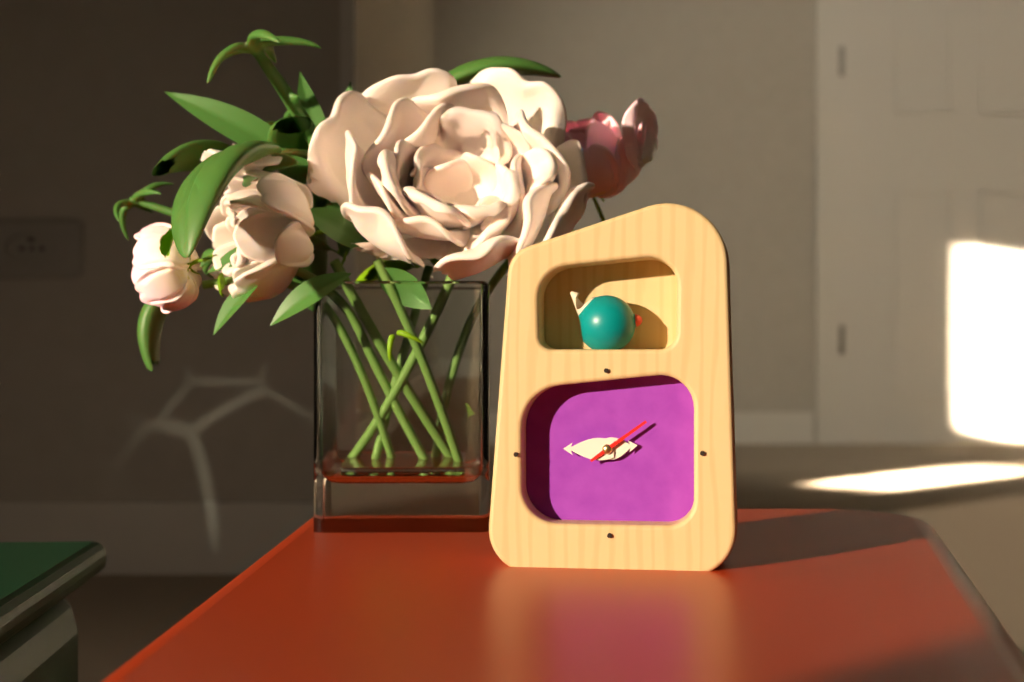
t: 2:45:09
